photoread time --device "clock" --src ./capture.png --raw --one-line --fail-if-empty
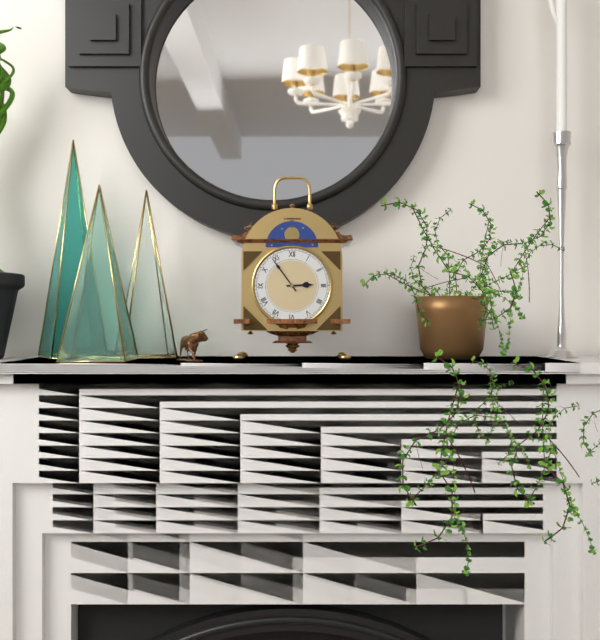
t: 2:54
